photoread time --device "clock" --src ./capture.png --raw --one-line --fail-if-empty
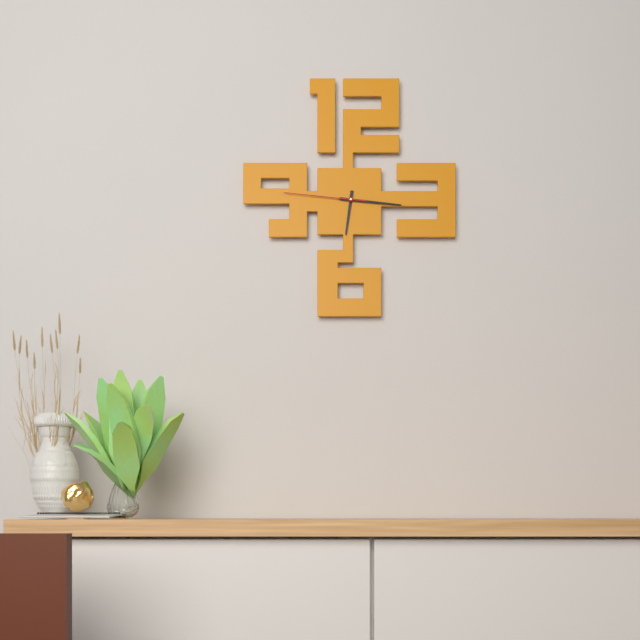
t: 6:16:46
